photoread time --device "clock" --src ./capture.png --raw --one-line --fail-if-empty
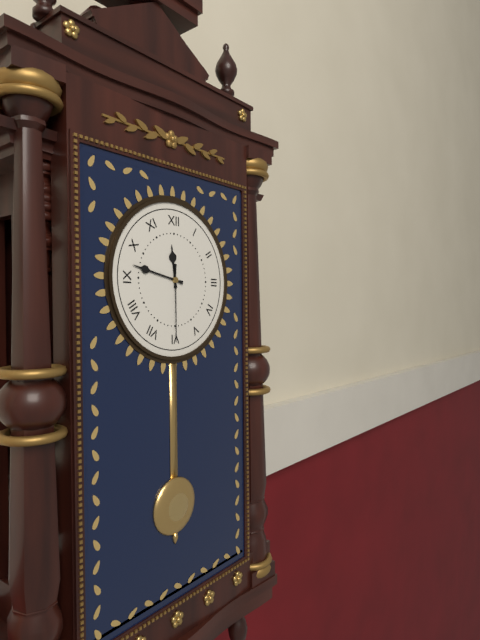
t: 11:47:30
